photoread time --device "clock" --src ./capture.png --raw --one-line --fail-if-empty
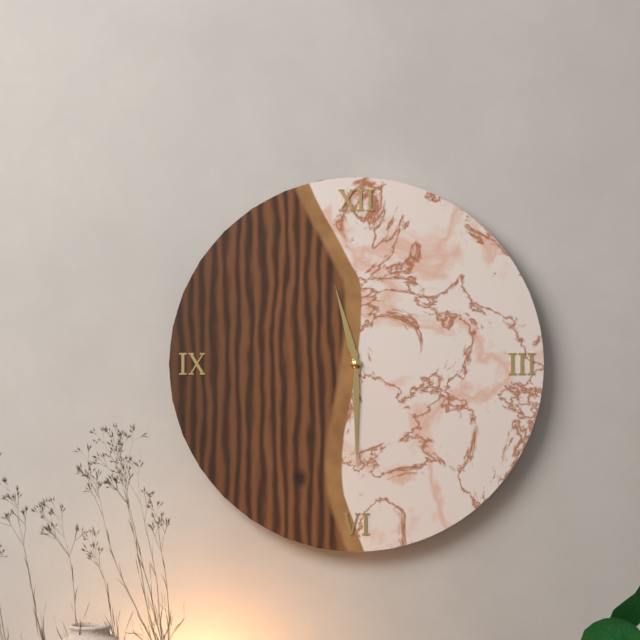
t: 11:30
